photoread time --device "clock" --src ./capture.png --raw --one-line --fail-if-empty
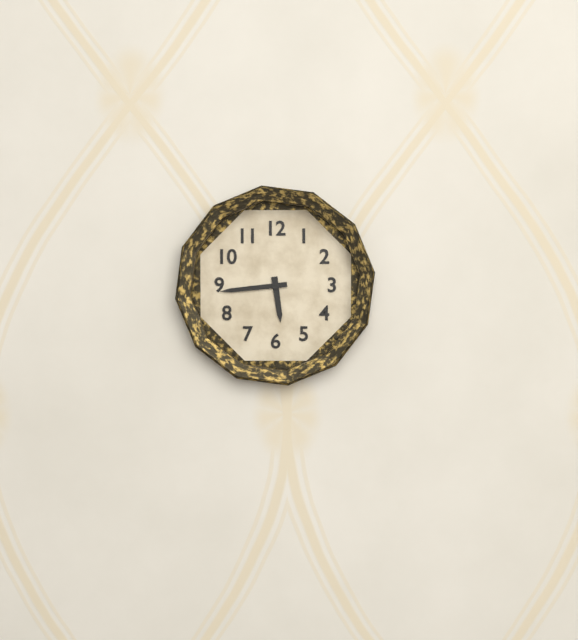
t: 5:44
